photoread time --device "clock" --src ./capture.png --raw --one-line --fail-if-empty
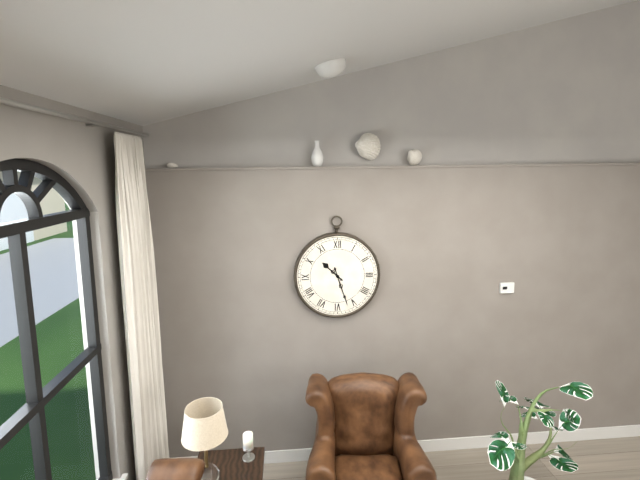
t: 10:27
